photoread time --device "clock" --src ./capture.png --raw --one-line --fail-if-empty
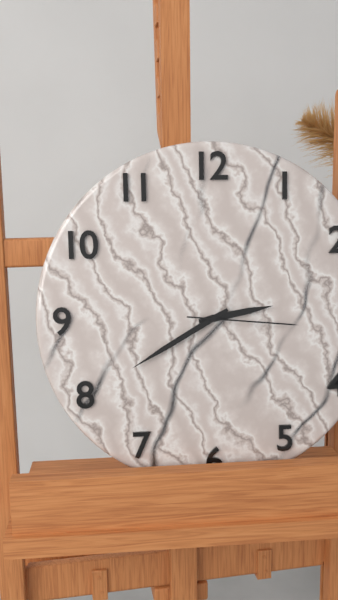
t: 2:40:16
